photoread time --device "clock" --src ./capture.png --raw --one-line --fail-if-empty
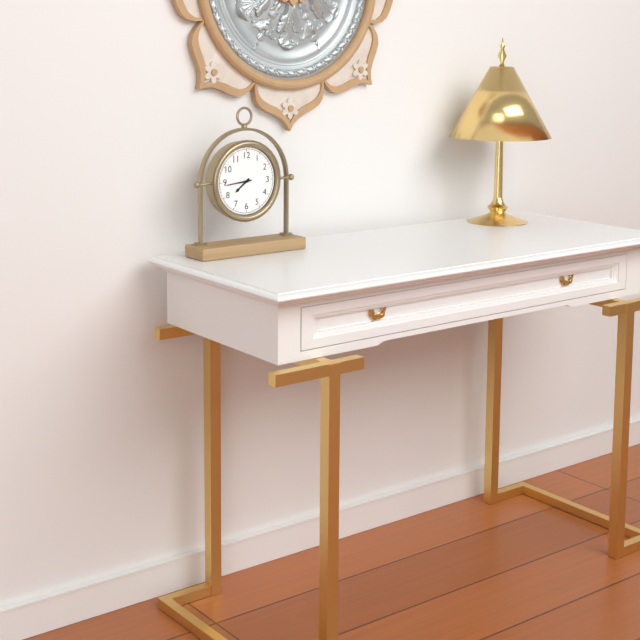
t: 7:44
